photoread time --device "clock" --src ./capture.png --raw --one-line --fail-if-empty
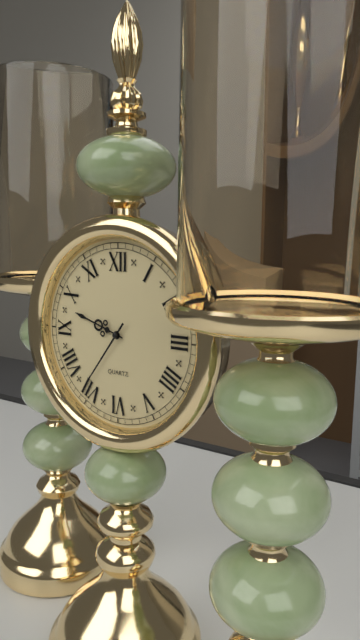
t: 9:36
